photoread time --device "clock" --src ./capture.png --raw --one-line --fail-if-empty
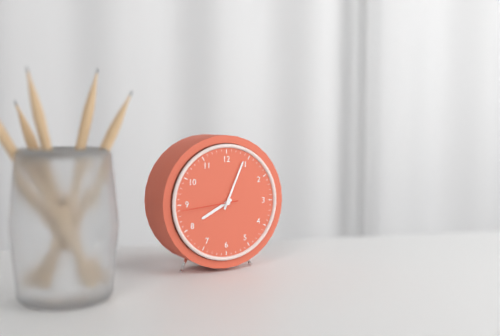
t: 8:04:44
